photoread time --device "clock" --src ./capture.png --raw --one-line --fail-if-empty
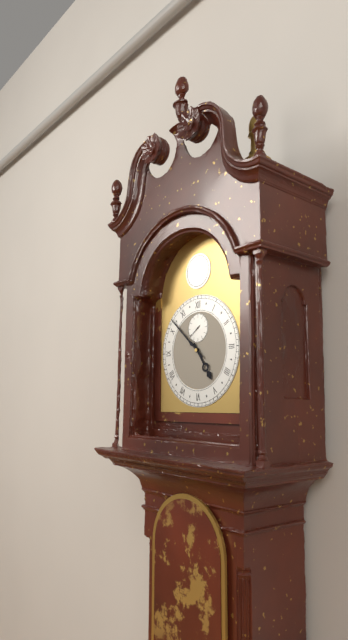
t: 4:52
